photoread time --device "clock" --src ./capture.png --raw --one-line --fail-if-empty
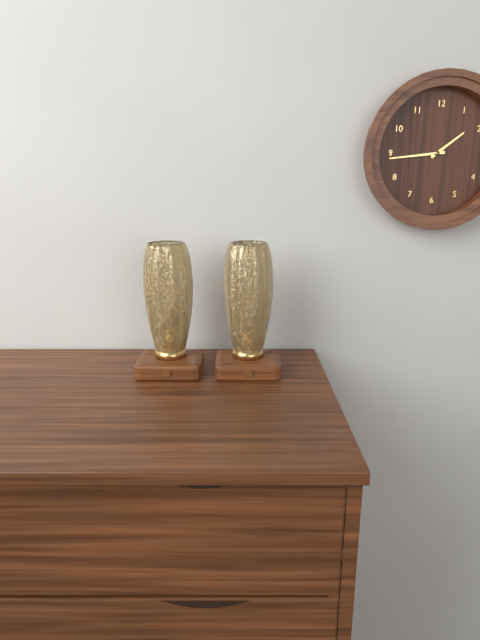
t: 1:44
